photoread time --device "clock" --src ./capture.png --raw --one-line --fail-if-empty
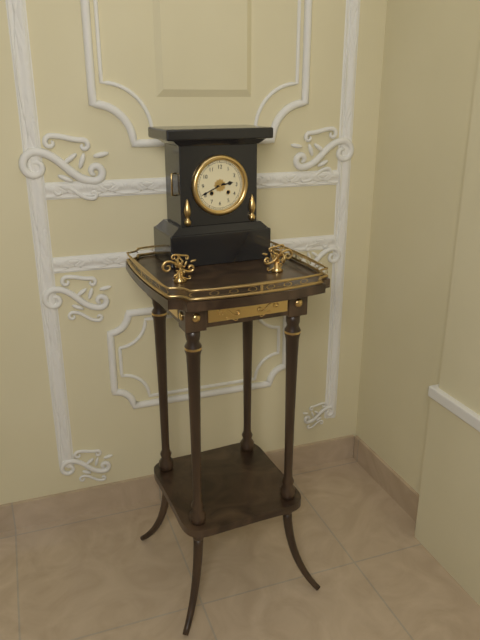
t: 2:41
